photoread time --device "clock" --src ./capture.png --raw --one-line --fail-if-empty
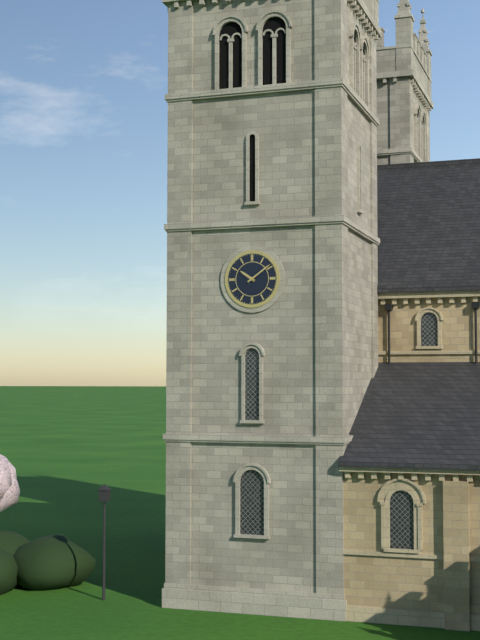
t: 10:09
